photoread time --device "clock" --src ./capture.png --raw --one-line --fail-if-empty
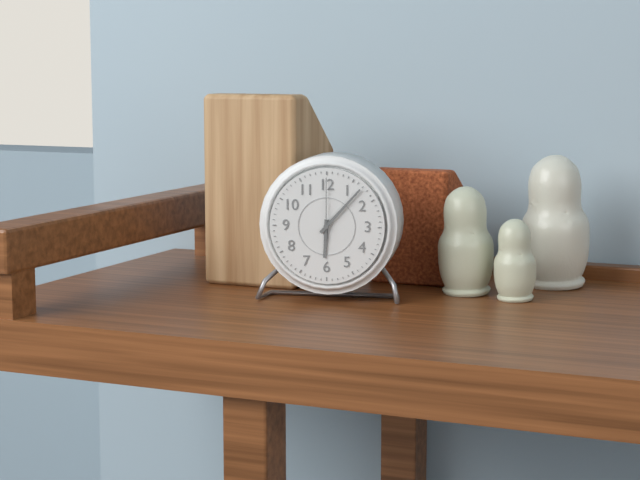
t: 6:07:00
